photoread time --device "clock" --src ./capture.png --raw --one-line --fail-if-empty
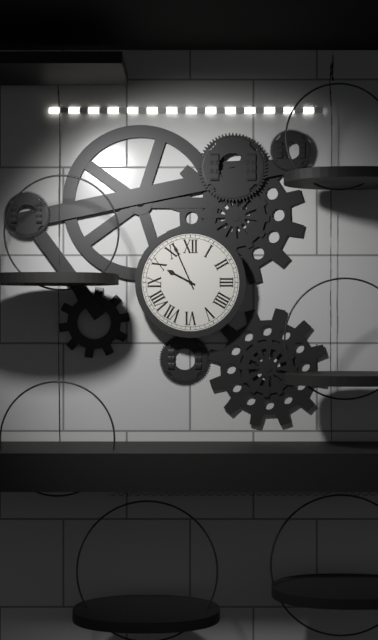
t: 9:56
